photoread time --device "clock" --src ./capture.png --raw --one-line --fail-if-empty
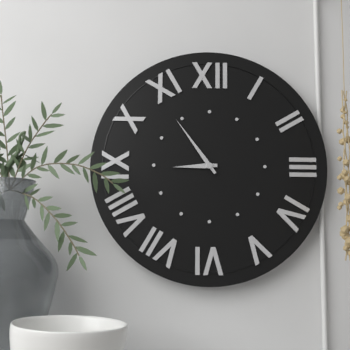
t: 8:54
